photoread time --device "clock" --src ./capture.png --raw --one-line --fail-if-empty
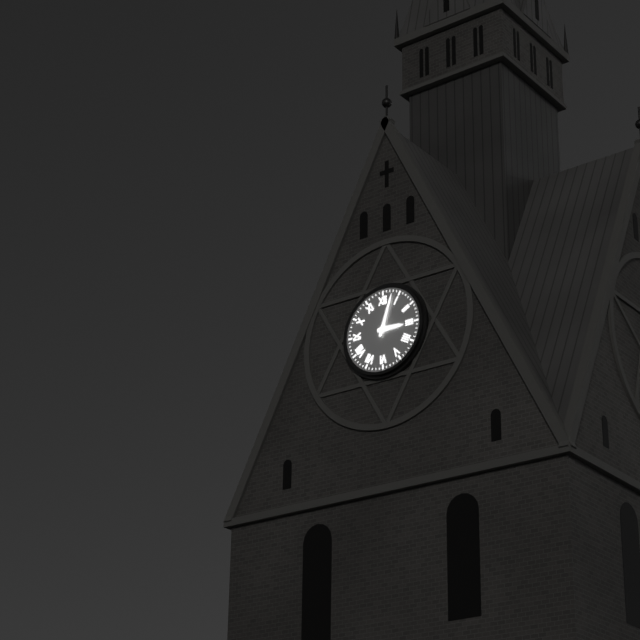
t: 3:03
